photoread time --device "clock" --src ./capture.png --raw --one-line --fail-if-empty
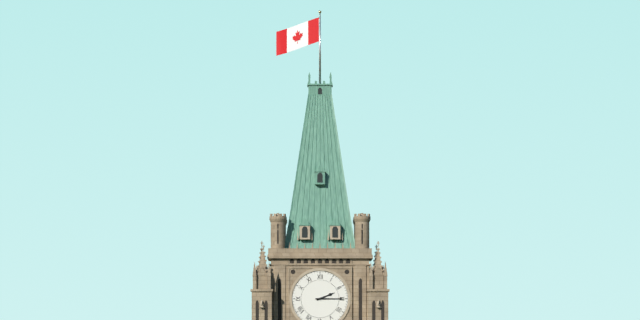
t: 2:15
